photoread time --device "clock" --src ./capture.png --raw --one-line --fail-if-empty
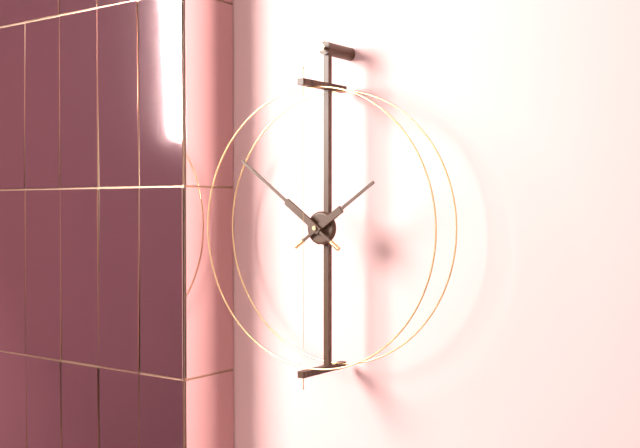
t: 1:51
